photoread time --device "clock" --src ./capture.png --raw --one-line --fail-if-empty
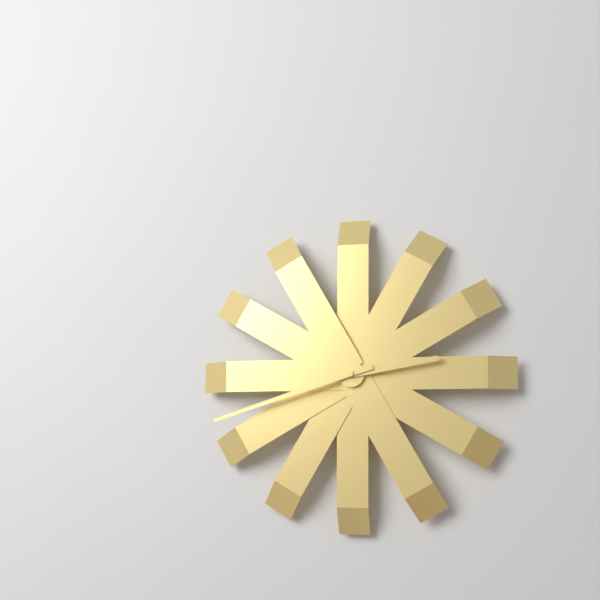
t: 2:42
